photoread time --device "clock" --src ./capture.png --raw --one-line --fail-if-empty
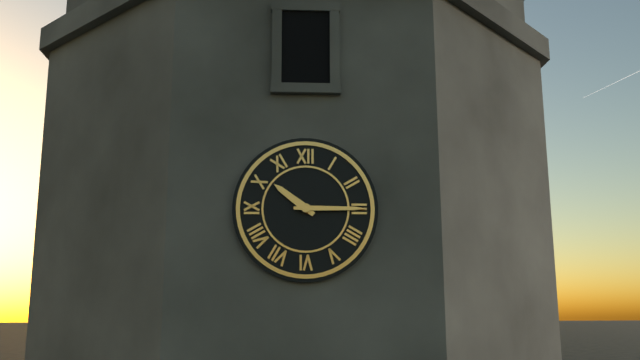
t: 10:15
